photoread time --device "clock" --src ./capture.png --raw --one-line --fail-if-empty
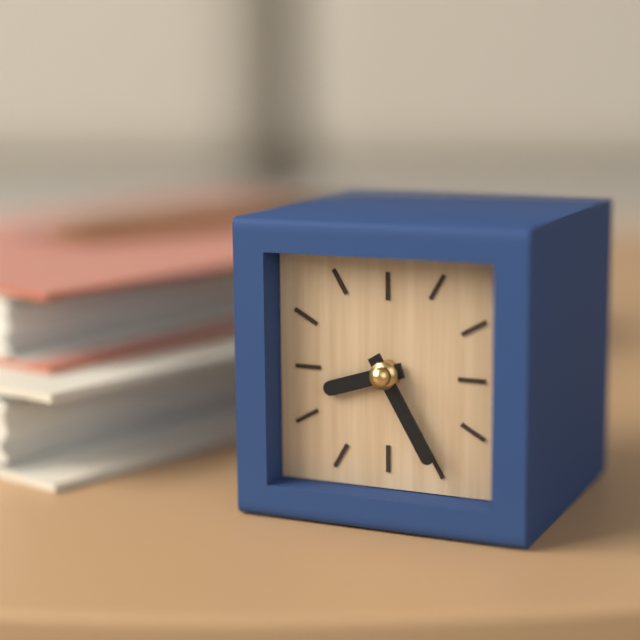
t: 8:25
